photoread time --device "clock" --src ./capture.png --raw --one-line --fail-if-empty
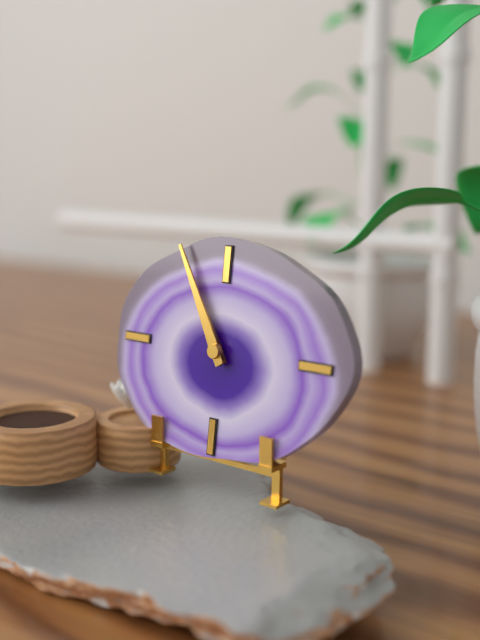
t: 10:55
